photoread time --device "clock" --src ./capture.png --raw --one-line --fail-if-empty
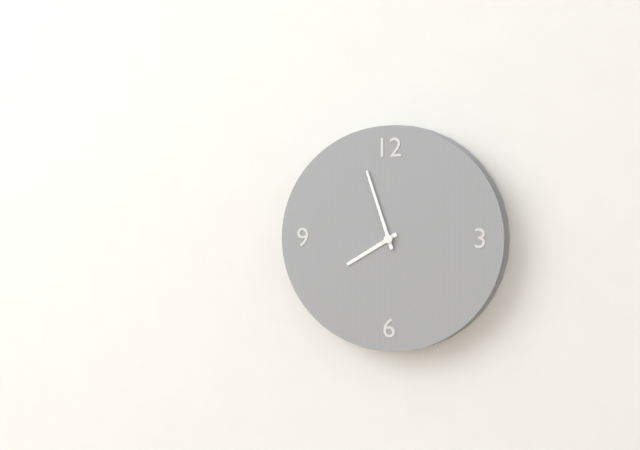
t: 7:57
